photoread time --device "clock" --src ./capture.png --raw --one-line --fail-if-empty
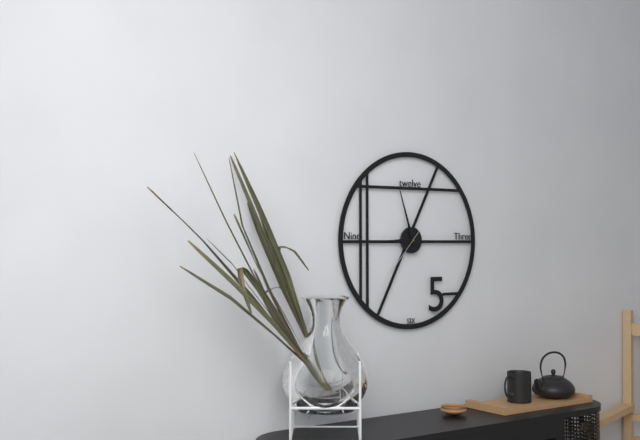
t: 8:57
